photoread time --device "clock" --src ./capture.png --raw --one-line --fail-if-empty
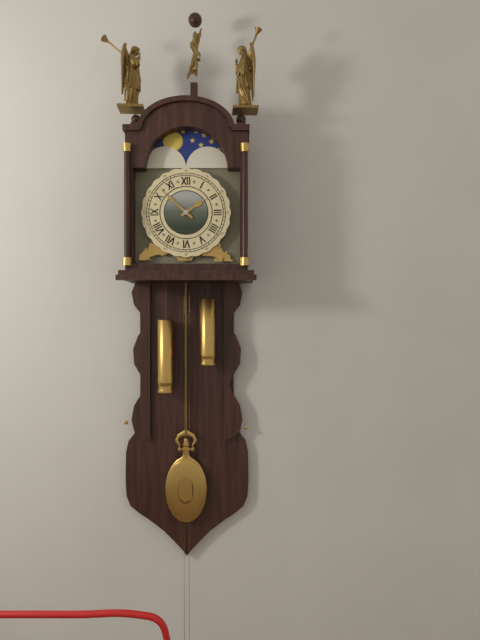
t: 1:52
